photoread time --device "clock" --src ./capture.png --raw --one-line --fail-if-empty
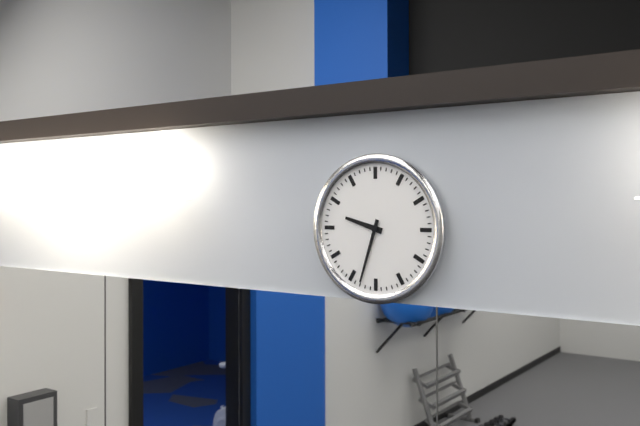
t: 9:33
